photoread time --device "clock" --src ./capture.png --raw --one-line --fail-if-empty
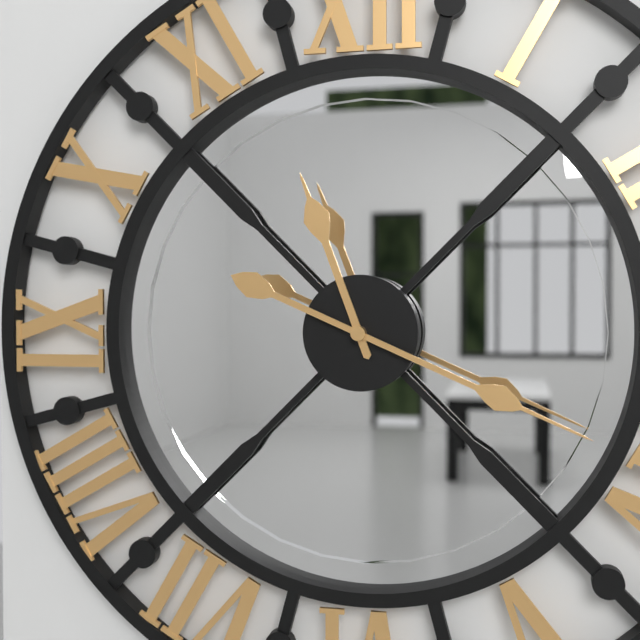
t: 11:19
